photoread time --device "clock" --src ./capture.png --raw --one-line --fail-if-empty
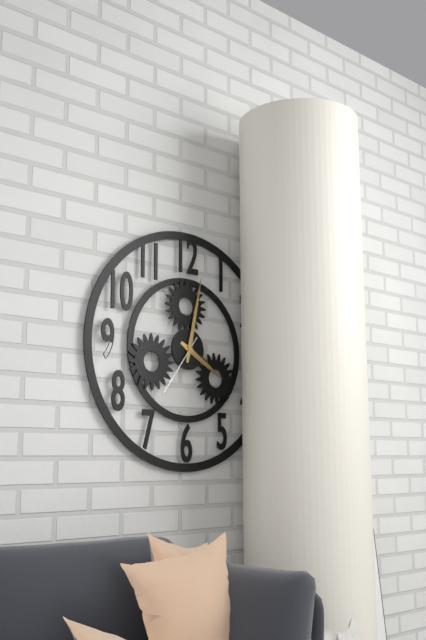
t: 4:02:36
